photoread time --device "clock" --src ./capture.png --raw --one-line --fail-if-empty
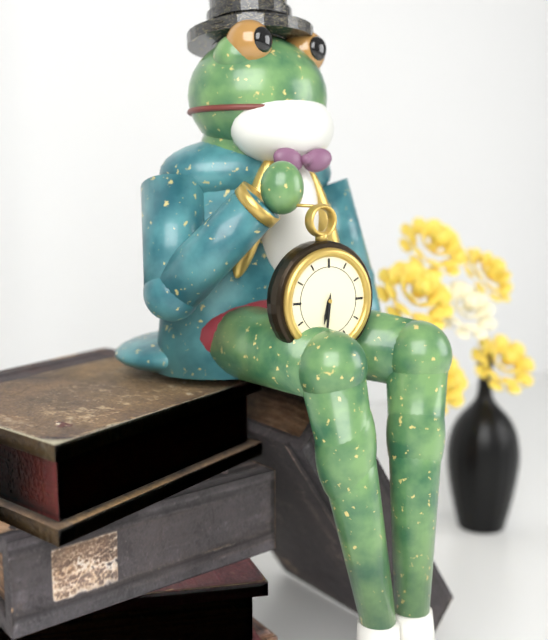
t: 6:31
